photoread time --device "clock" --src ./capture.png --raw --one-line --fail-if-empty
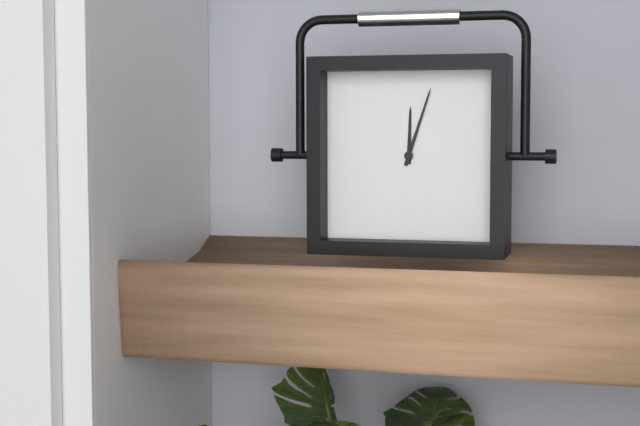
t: 12:03
